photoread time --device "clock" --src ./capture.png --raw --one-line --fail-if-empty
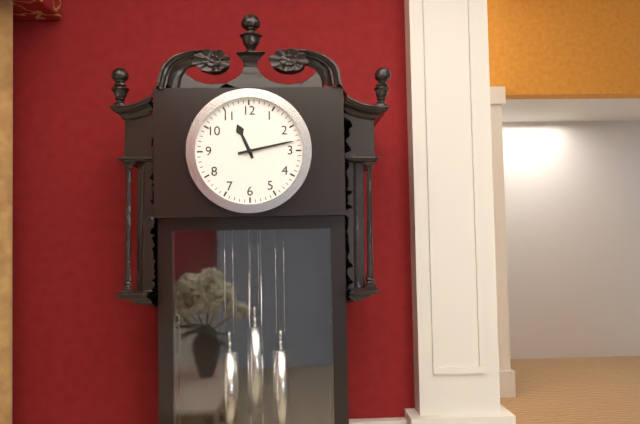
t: 11:13
